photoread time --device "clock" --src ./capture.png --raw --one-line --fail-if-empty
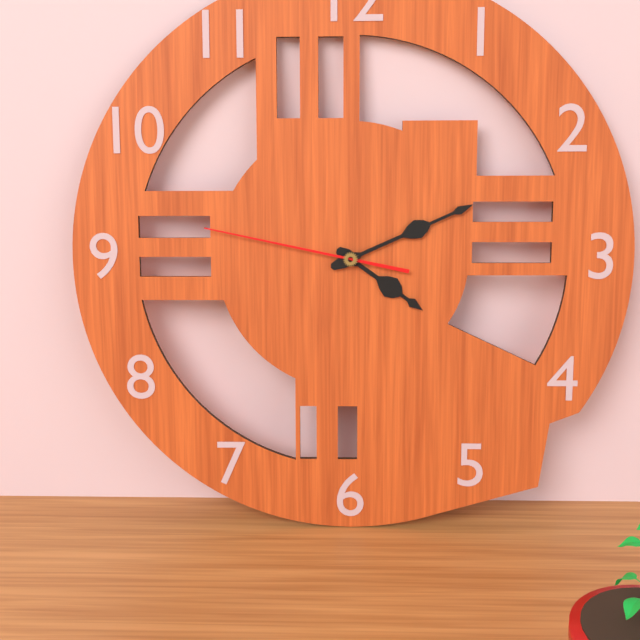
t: 4:11:47
